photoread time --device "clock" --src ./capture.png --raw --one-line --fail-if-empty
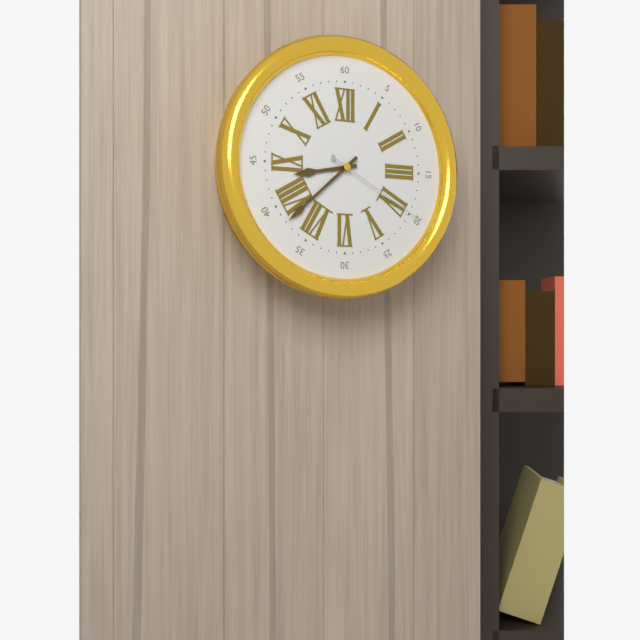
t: 8:38:20
